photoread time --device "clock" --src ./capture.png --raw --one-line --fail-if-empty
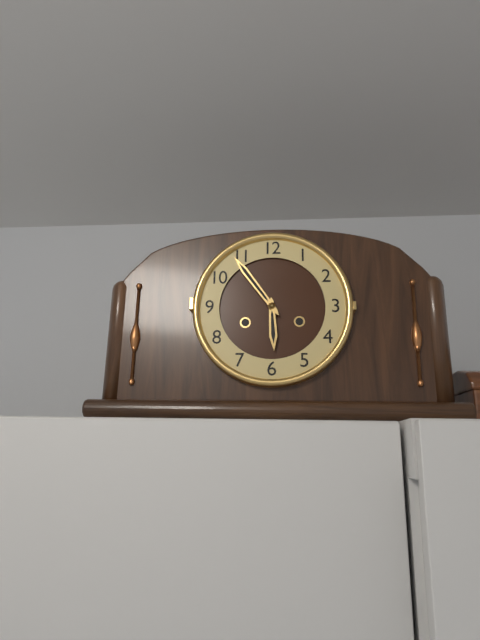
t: 5:54
